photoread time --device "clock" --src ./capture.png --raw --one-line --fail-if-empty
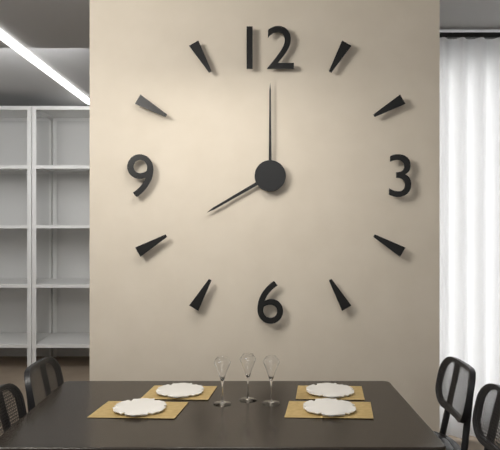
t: 8:00
